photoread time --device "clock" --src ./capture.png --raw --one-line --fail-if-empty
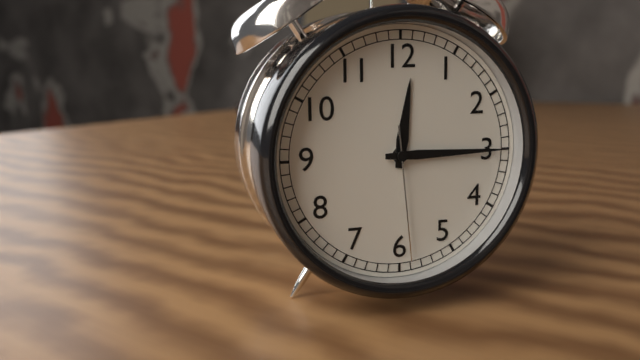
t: 12:15:29
